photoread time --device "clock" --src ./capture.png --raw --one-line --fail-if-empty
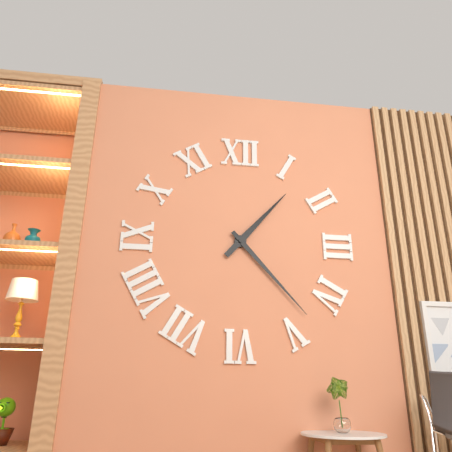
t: 1:23
